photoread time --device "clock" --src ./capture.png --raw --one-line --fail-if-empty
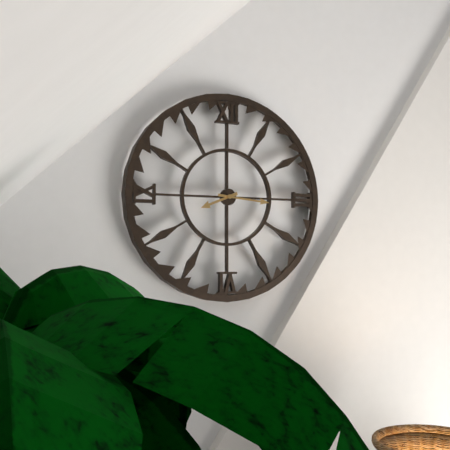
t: 8:16
